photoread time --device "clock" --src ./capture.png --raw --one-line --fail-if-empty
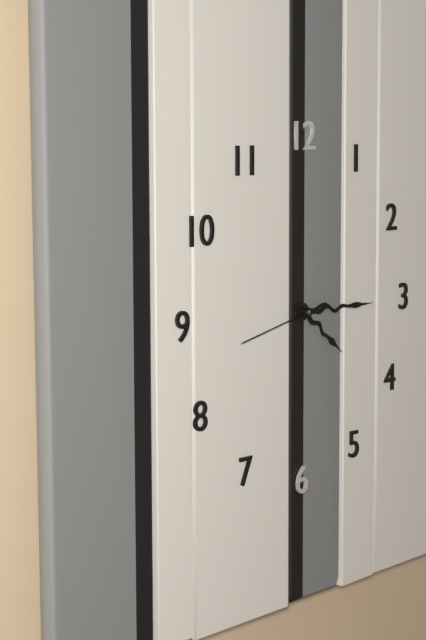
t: 4:15:43
